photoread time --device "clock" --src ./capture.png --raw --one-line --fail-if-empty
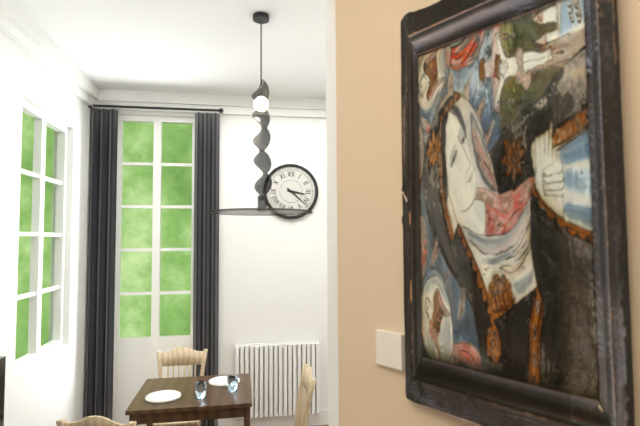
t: 3:22
